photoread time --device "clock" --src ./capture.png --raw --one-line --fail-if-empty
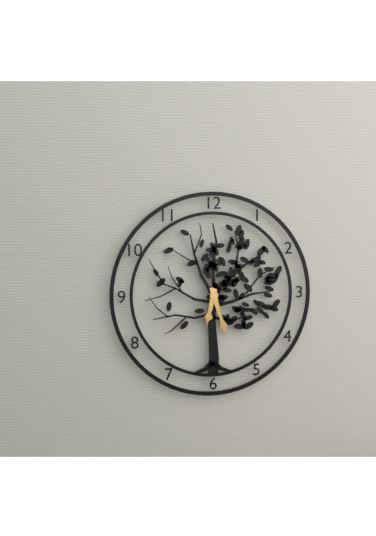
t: 6:27
